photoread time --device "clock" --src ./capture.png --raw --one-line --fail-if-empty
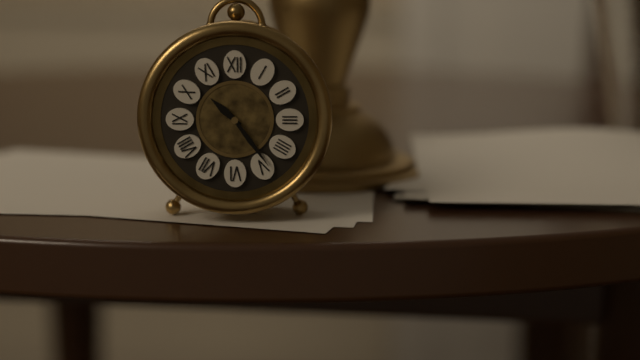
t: 10:24
